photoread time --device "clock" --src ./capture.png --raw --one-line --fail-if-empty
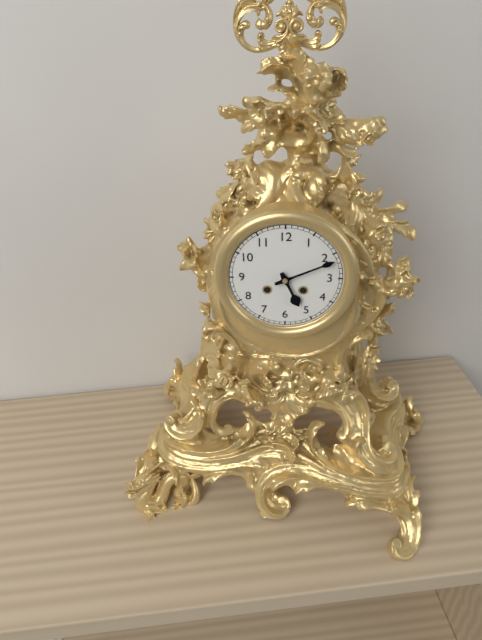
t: 5:11
